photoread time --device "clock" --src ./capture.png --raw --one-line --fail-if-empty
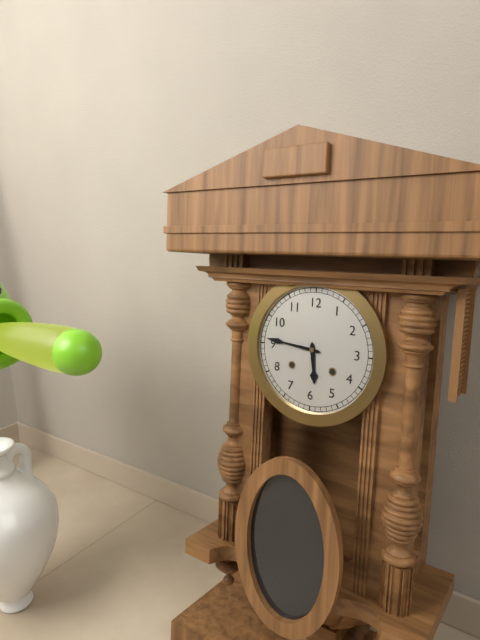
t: 5:46
